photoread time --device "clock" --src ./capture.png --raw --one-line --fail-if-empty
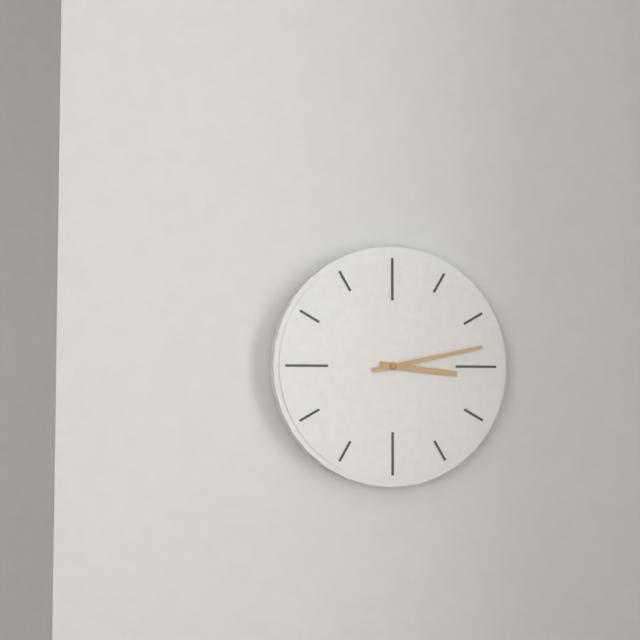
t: 3:13
